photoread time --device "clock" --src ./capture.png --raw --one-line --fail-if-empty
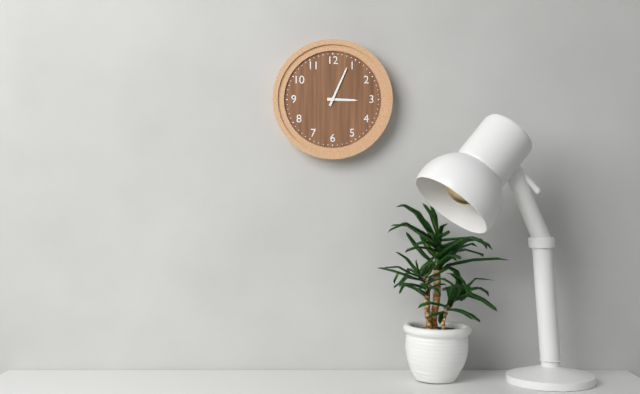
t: 3:04
